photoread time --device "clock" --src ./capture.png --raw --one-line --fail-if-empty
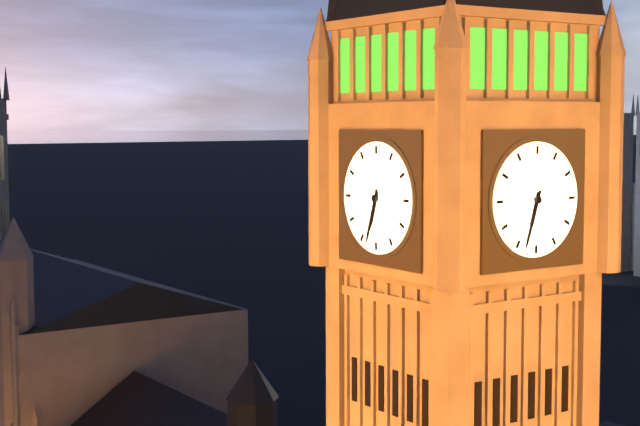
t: 6:33
